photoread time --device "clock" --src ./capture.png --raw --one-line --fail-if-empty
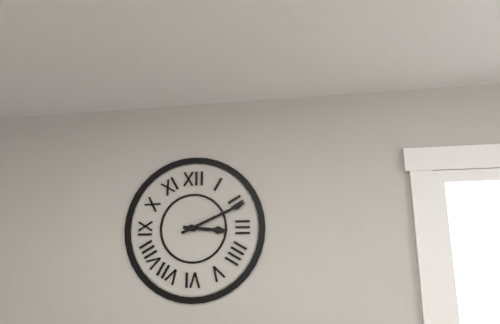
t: 3:11
